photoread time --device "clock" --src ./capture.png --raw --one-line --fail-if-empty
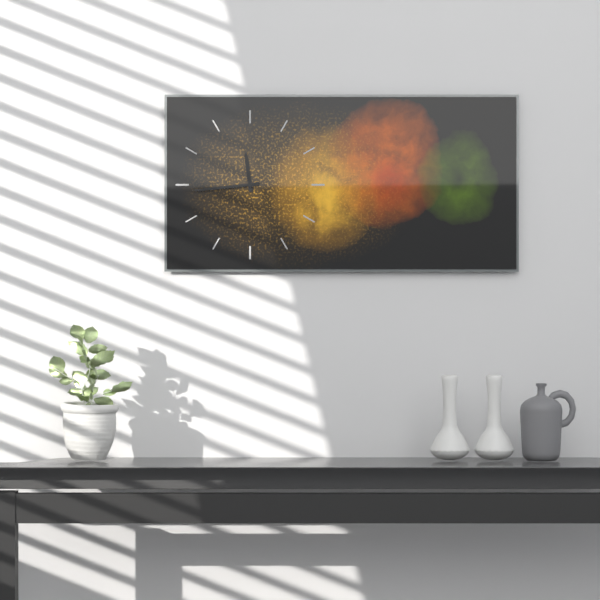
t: 11:44
